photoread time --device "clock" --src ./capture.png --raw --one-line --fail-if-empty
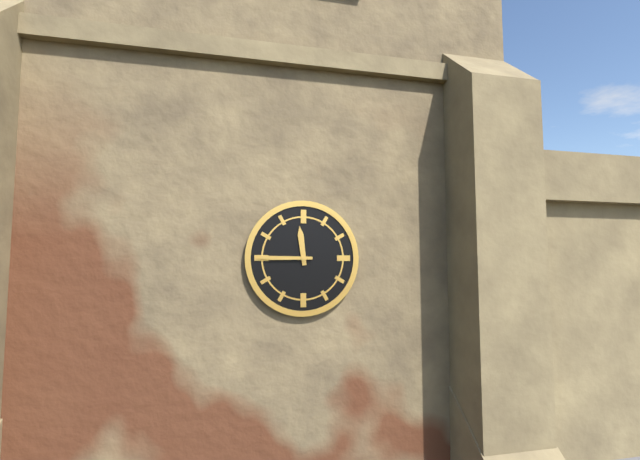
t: 11:45
